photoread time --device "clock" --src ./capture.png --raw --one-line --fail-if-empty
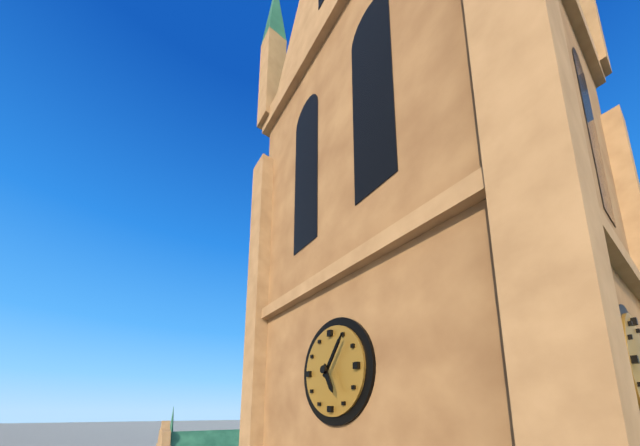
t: 5:06
